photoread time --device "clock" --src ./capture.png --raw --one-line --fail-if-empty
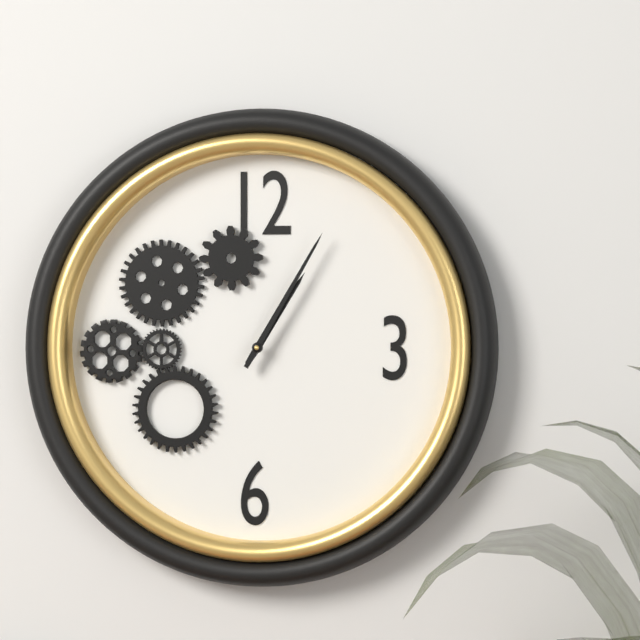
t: 1:05
